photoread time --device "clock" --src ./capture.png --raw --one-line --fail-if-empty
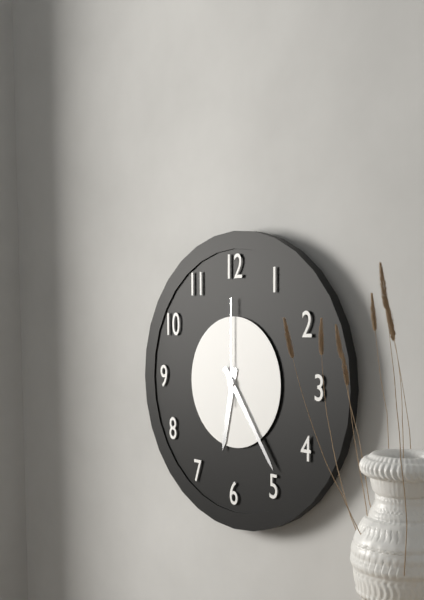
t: 6:24:00
